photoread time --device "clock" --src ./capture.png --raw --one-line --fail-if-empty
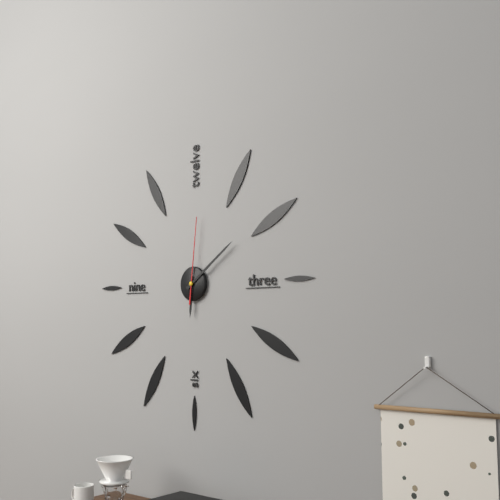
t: 6:09:01
